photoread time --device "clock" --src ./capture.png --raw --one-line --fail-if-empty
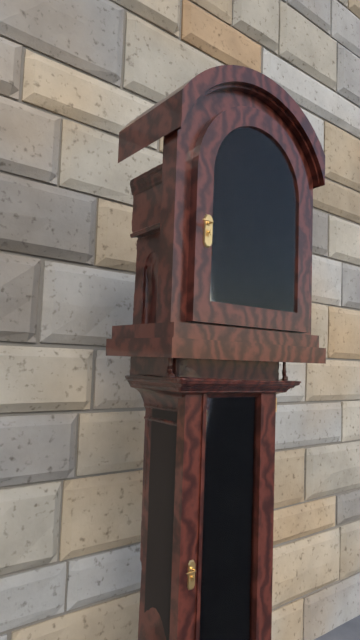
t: 10:51
